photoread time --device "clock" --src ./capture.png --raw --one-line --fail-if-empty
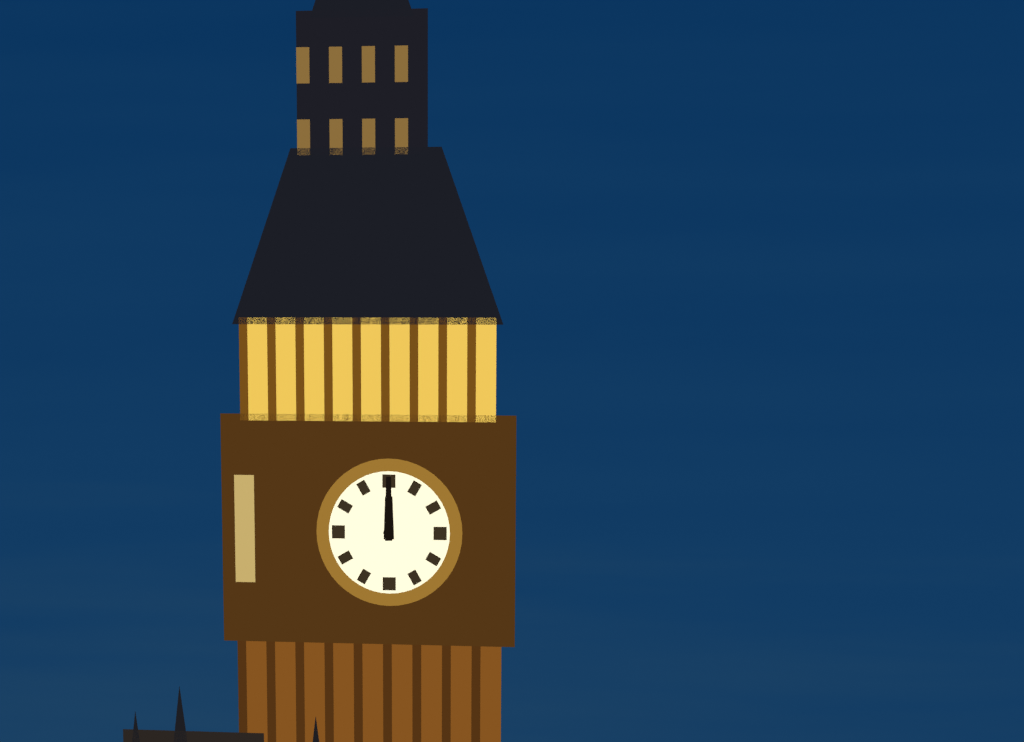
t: 12:00
